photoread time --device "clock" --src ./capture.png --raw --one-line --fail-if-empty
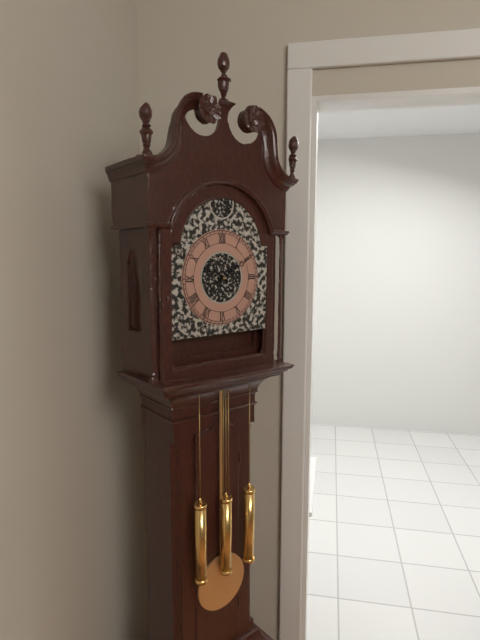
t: 10:10
